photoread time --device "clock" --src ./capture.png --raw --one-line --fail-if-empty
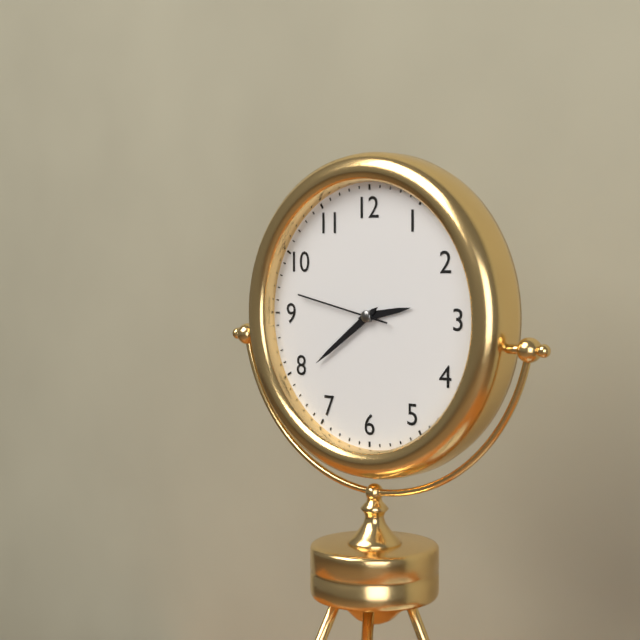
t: 2:39:47
